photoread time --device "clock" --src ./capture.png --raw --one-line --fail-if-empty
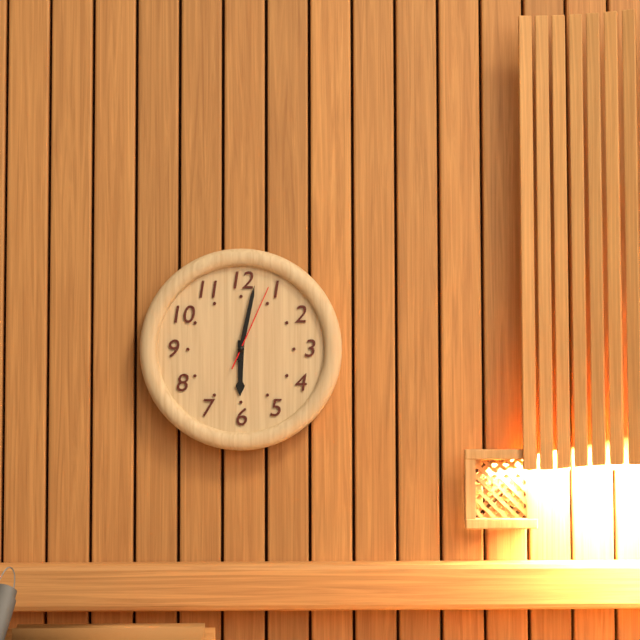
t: 6:02:04
